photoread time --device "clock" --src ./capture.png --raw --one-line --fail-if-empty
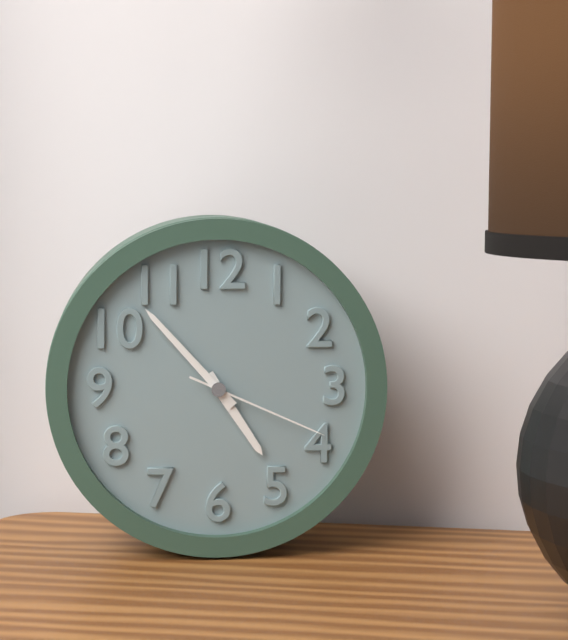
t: 4:53:19
